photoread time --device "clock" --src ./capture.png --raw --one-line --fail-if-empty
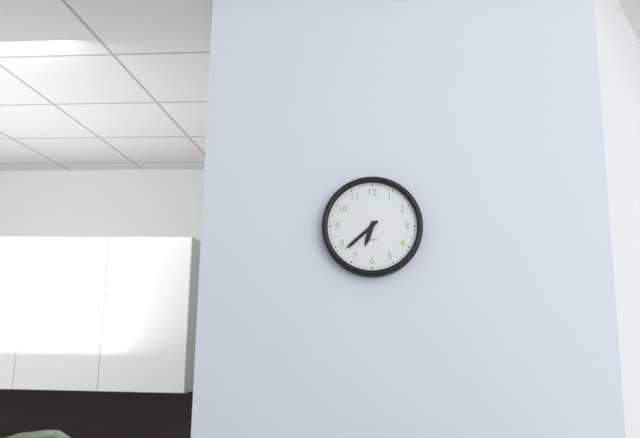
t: 6:38
